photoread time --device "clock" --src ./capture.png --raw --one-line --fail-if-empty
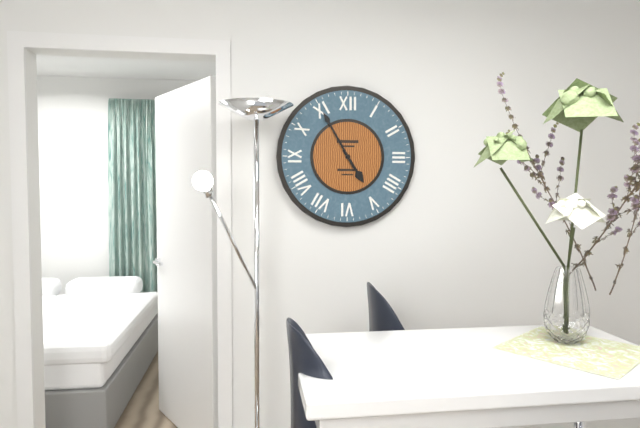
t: 4:55
